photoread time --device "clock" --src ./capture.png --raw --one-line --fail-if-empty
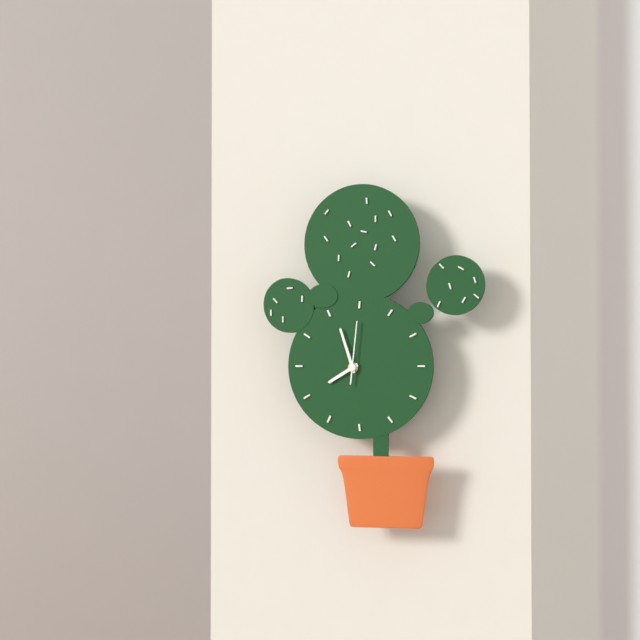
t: 7:57:01
